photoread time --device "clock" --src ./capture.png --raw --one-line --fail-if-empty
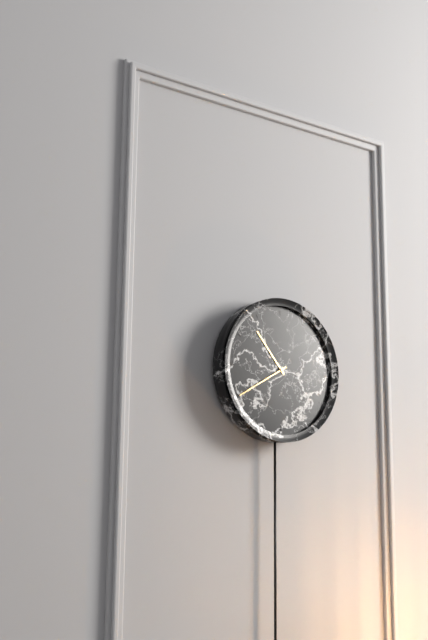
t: 10:40
